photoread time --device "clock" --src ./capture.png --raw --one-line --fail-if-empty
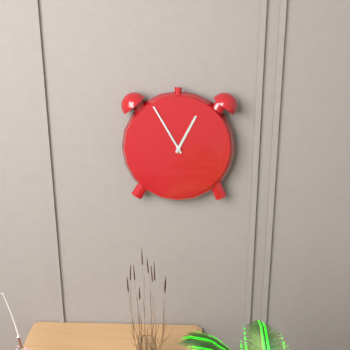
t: 12:55
